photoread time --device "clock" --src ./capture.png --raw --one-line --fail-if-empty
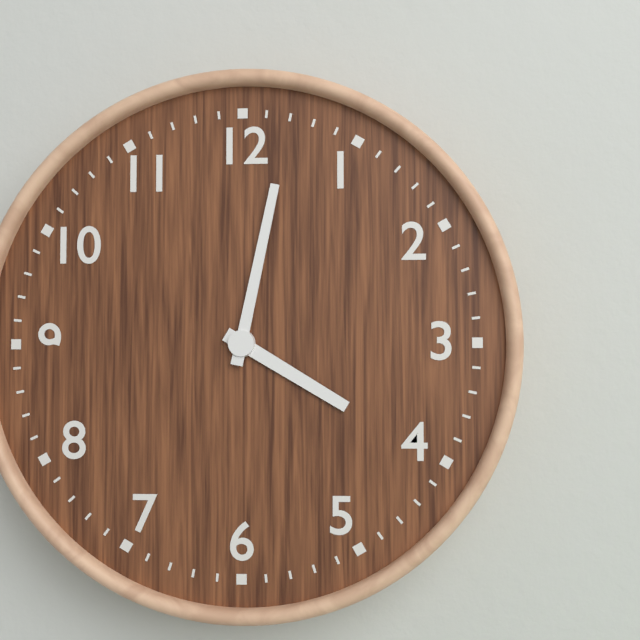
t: 4:02
